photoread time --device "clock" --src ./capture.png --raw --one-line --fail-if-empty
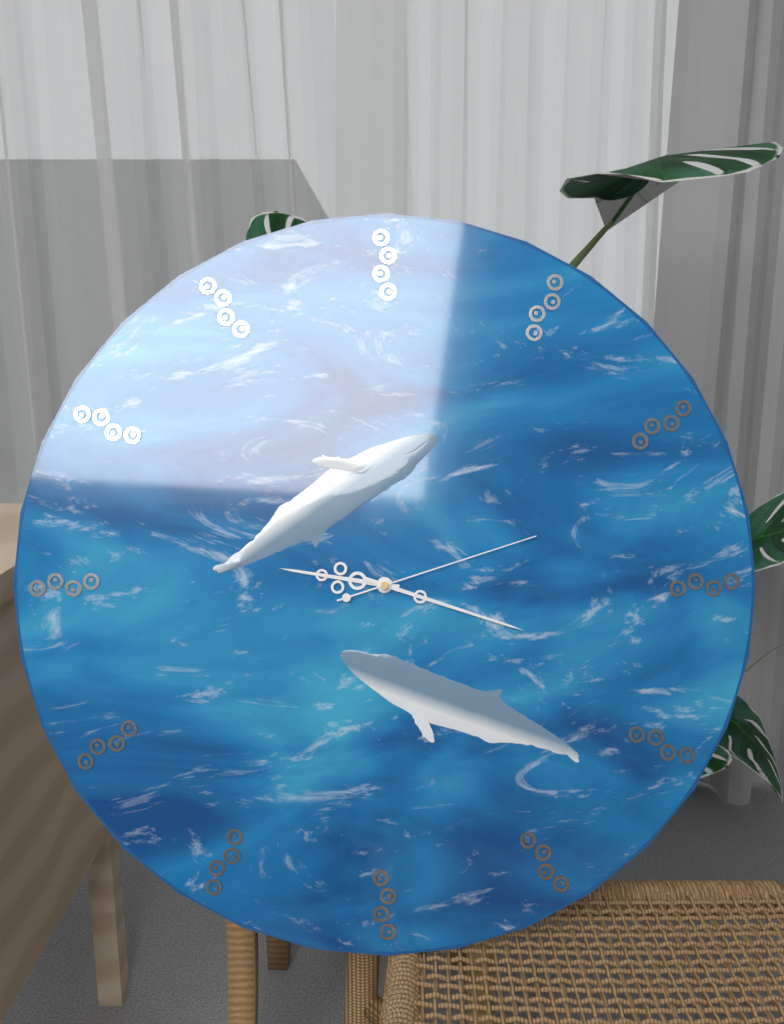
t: 9:18:12
